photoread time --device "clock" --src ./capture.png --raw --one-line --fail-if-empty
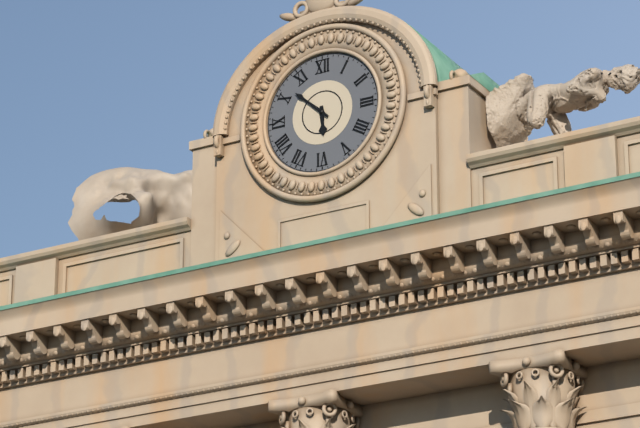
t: 5:52
